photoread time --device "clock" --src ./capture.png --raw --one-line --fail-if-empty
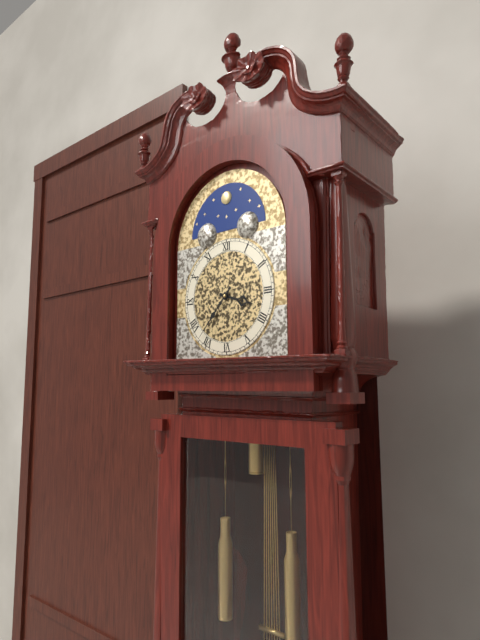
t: 3:37
